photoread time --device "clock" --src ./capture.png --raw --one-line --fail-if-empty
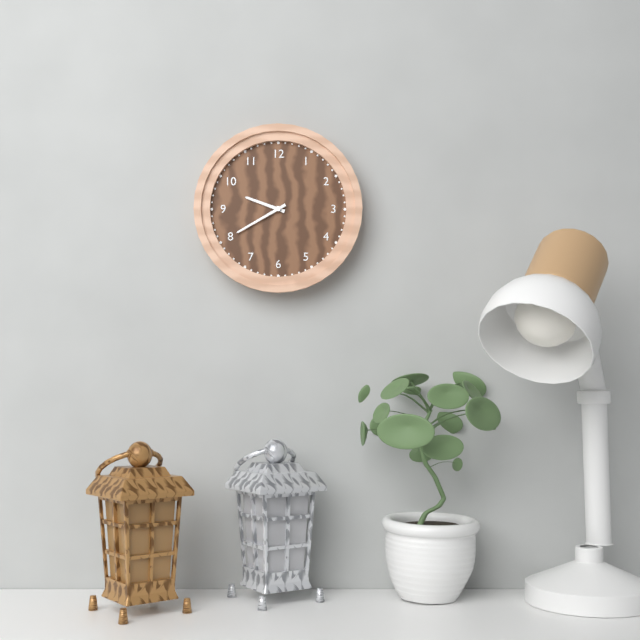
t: 9:40
